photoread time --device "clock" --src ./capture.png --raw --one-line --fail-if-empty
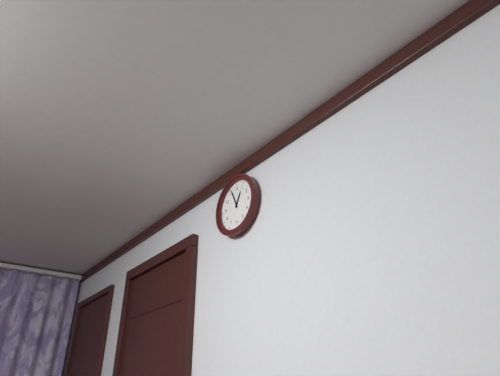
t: 12:56
